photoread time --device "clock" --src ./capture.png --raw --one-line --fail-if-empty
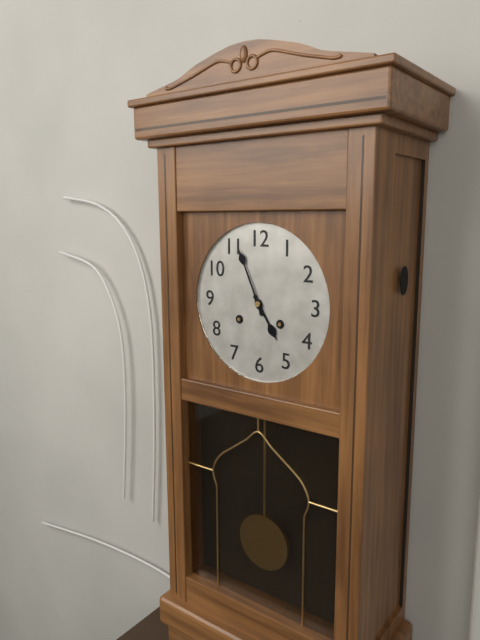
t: 4:56
